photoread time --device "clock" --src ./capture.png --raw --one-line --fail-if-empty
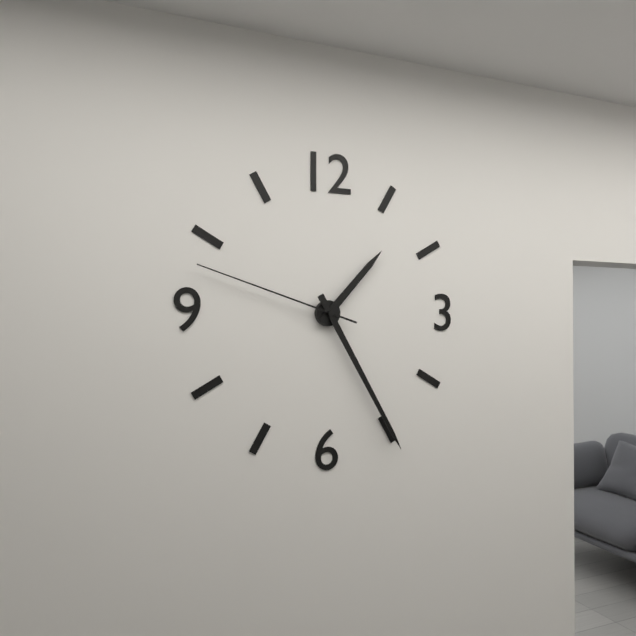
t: 1:25:48
